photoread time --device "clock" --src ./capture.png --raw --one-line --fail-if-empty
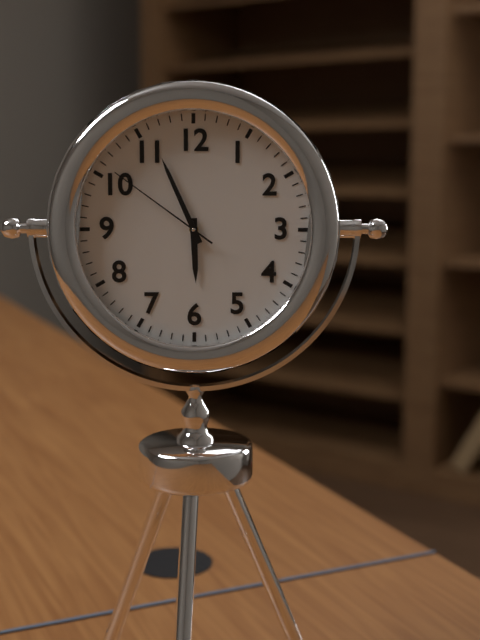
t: 5:56:51
